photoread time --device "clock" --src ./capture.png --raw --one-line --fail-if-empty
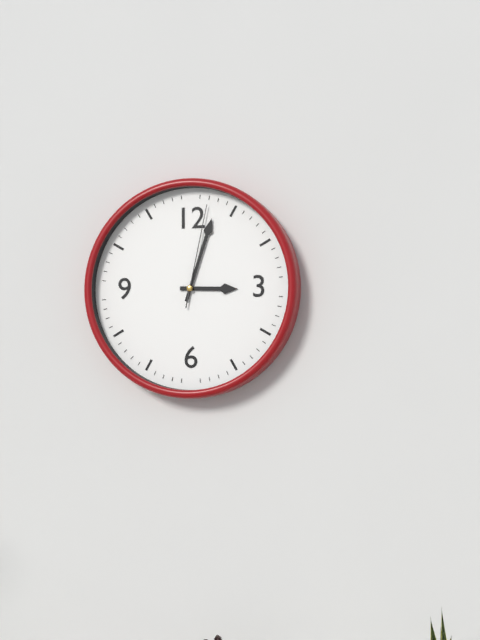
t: 3:03:02
